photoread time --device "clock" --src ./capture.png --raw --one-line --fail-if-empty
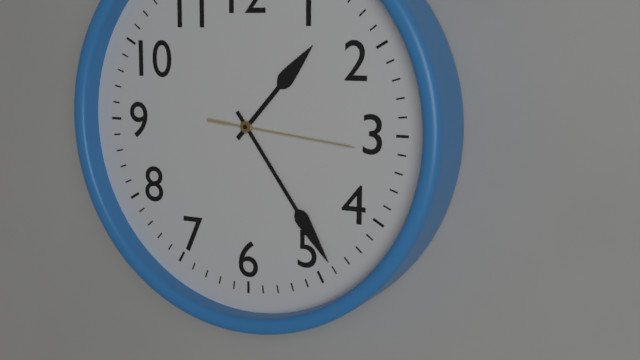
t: 1:24:16
